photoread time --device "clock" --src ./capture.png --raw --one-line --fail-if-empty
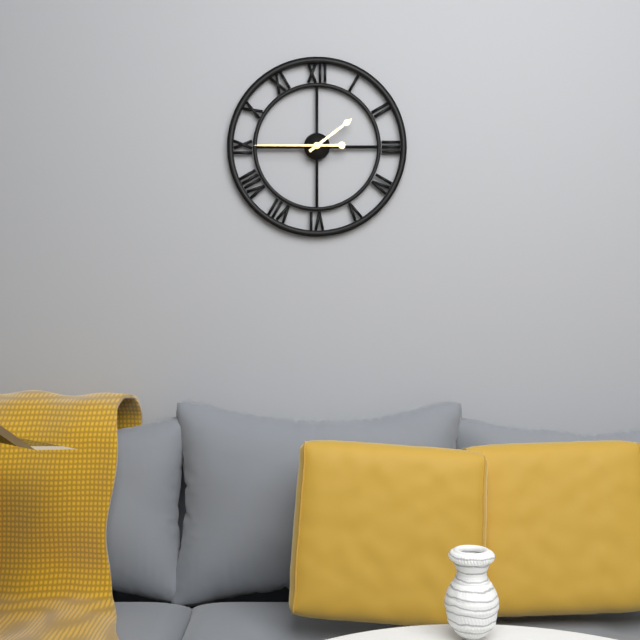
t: 1:45
